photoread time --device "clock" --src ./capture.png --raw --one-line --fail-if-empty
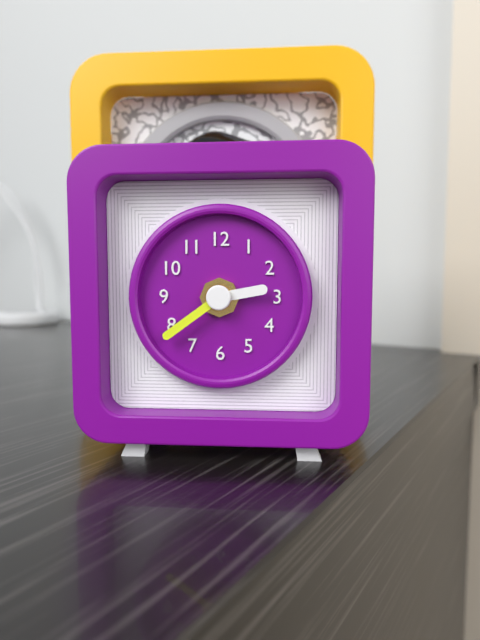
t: 2:39
